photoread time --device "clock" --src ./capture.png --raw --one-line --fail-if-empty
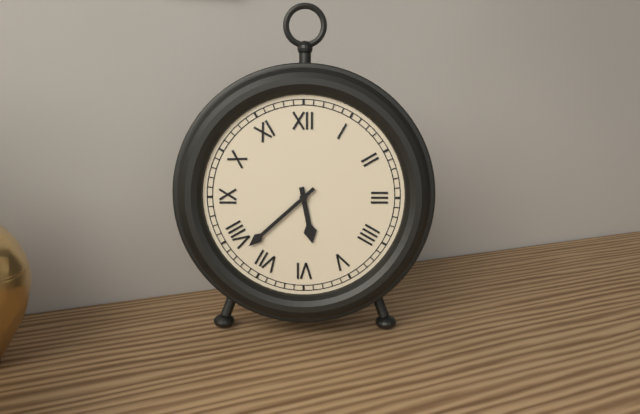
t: 5:38
